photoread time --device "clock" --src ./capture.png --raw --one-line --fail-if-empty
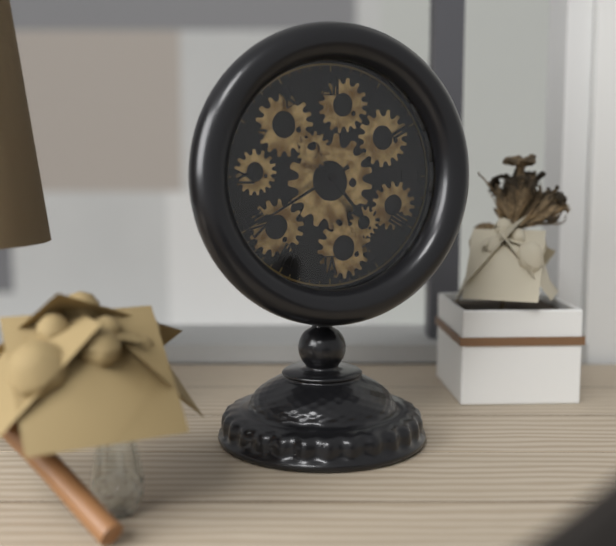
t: 4:40
